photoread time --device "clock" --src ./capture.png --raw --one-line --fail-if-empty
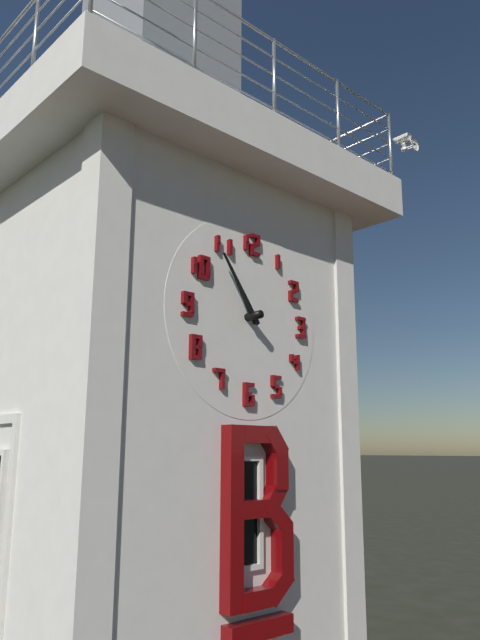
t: 10:54
